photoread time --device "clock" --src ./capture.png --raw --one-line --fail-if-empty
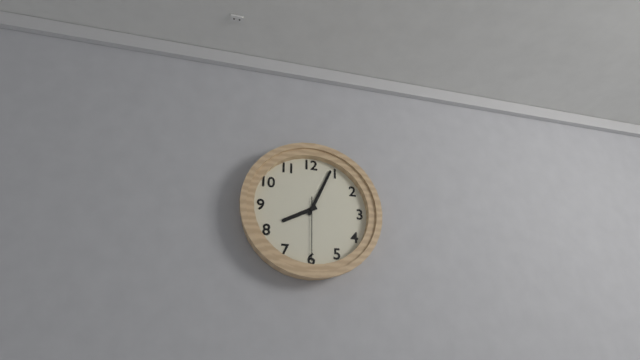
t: 8:04:30
